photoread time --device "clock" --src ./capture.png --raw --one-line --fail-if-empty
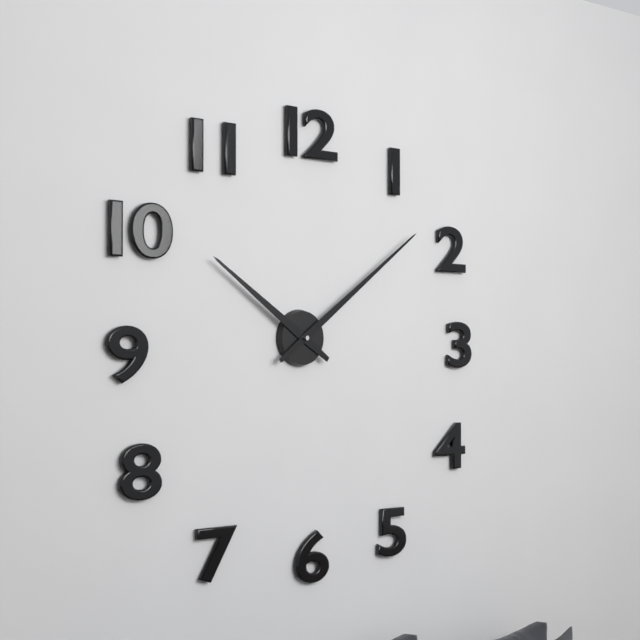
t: 10:09
